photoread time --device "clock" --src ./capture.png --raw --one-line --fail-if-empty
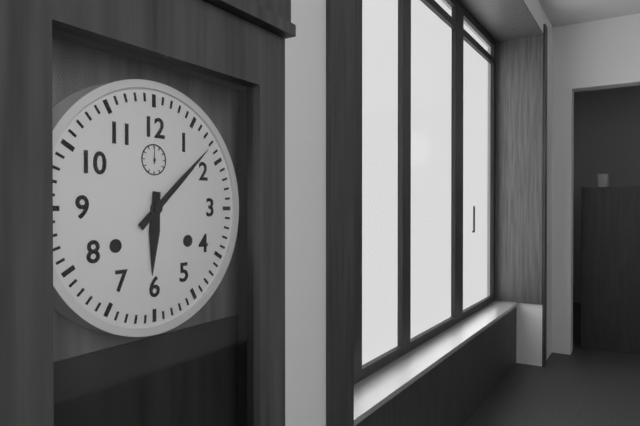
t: 6:08
